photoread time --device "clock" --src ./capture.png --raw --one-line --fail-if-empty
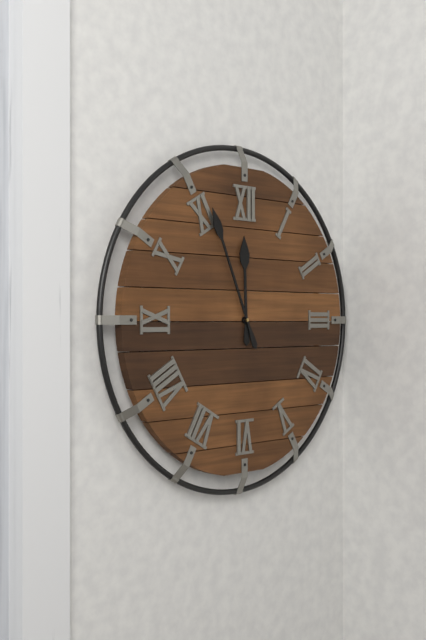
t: 11:56
